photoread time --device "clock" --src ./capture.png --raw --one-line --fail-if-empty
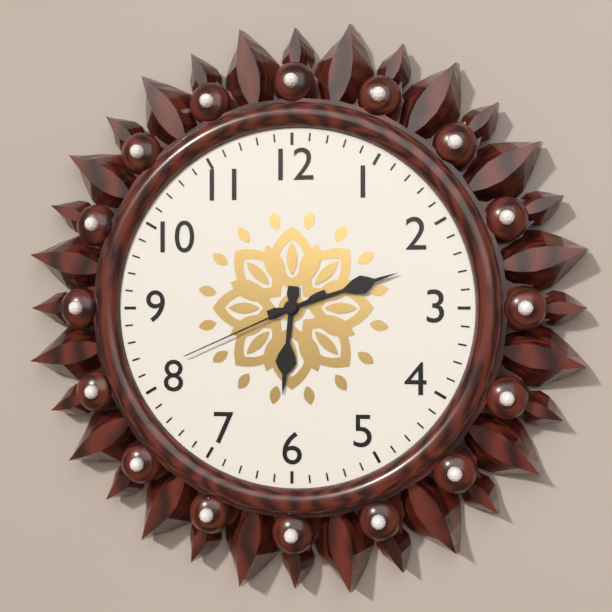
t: 6:12:41
